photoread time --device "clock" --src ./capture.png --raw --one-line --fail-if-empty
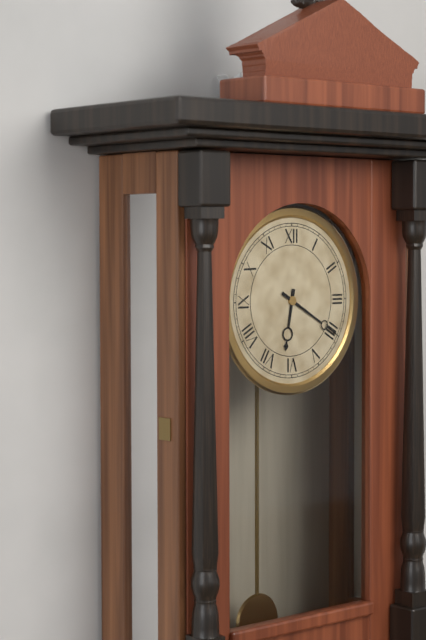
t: 6:20
